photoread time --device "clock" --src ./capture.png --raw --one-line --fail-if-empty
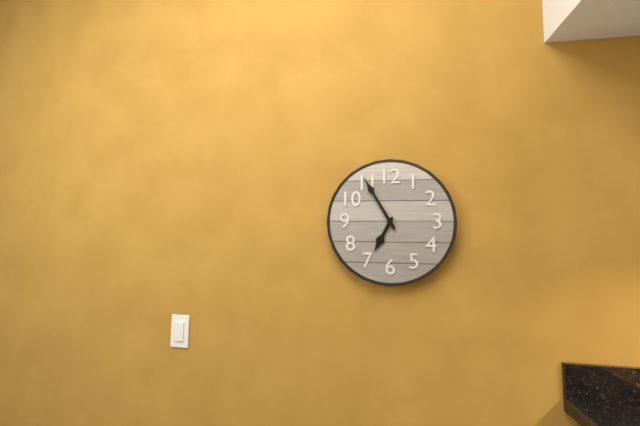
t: 6:55
